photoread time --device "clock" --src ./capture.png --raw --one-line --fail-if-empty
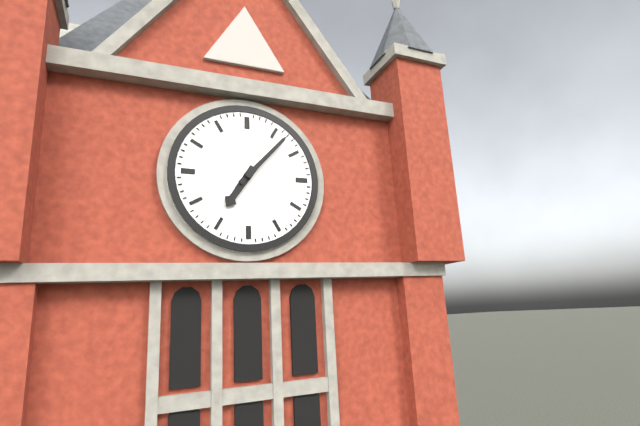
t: 7:07
